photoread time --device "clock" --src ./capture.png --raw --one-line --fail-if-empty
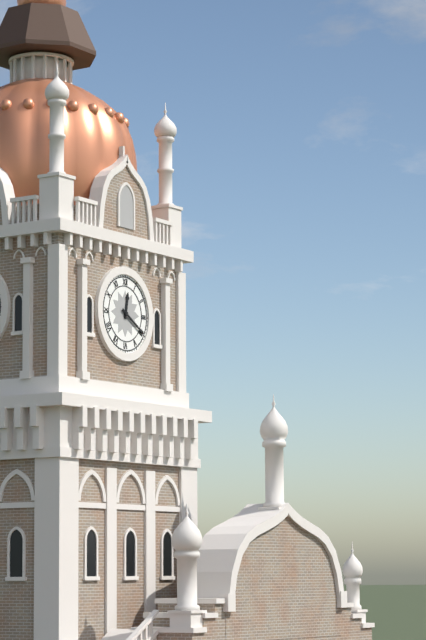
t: 12:20
